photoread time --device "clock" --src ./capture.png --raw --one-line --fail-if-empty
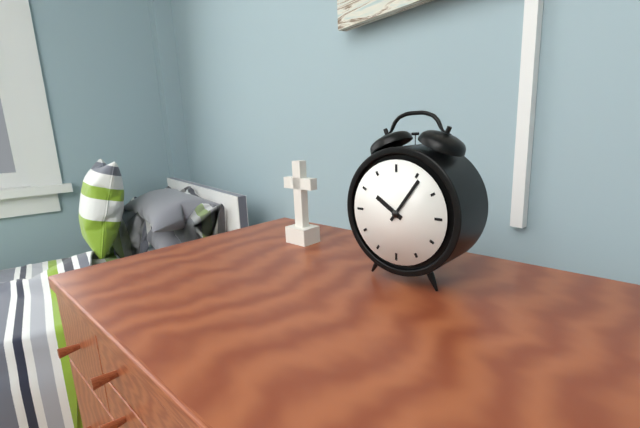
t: 10:06
